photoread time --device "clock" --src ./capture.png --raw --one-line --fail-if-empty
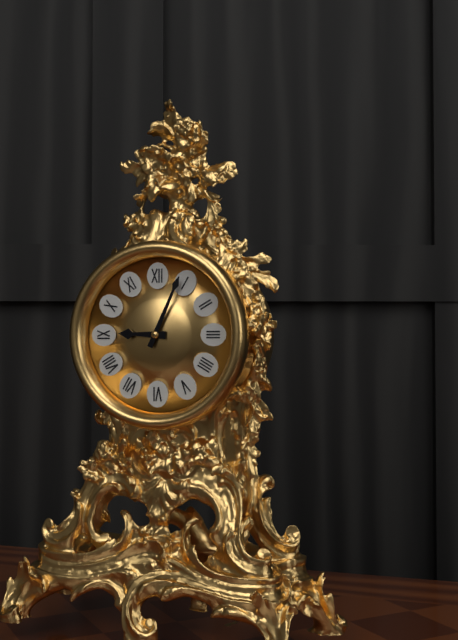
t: 9:04
